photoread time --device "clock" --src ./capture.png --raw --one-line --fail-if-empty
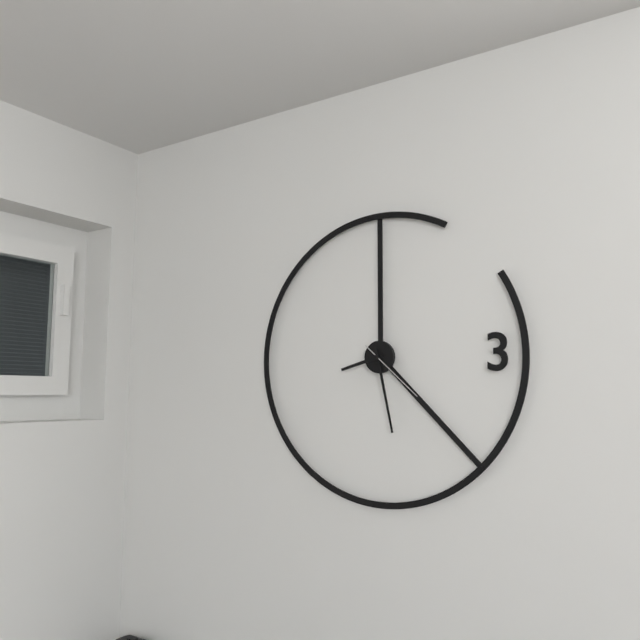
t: 8:28:22
